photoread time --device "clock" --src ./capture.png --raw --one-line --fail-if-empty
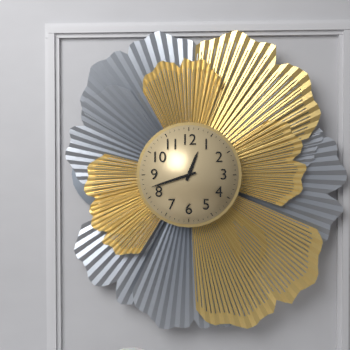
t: 12:42
